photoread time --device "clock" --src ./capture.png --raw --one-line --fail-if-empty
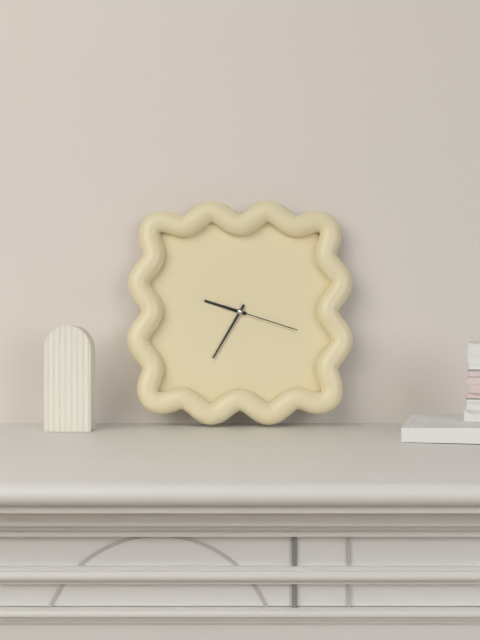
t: 9:35:18
